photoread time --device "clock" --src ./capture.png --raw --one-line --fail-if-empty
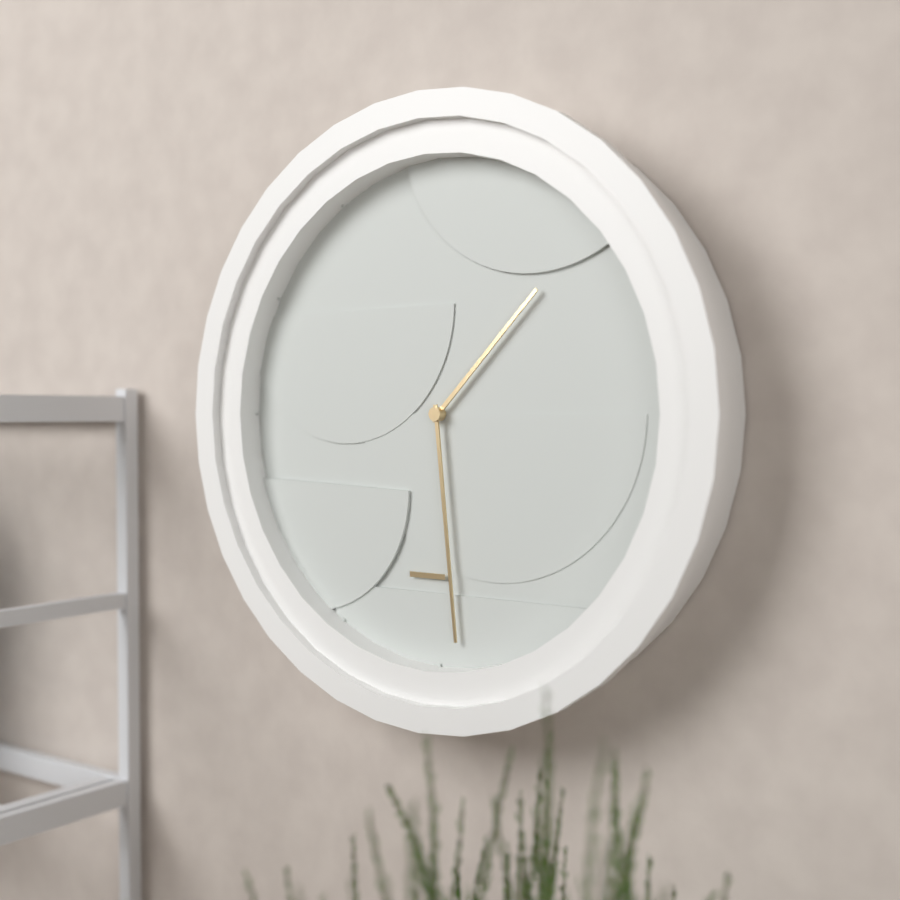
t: 1:29
